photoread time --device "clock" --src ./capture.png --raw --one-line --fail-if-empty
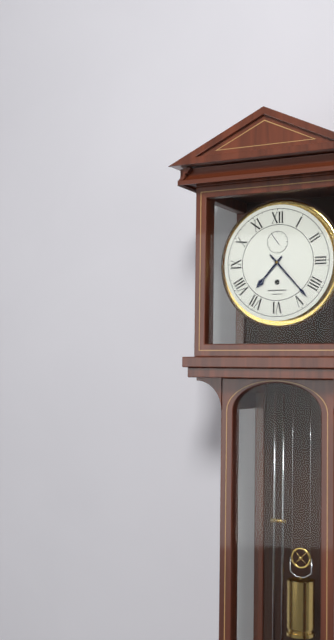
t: 7:23
